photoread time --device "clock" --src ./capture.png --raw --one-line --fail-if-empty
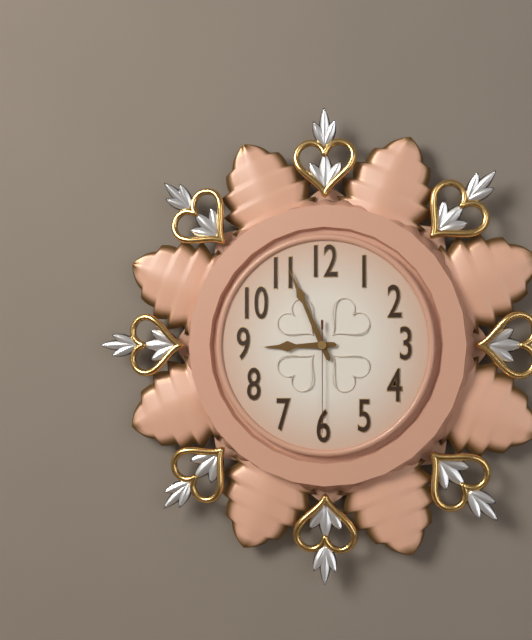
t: 8:56:30
